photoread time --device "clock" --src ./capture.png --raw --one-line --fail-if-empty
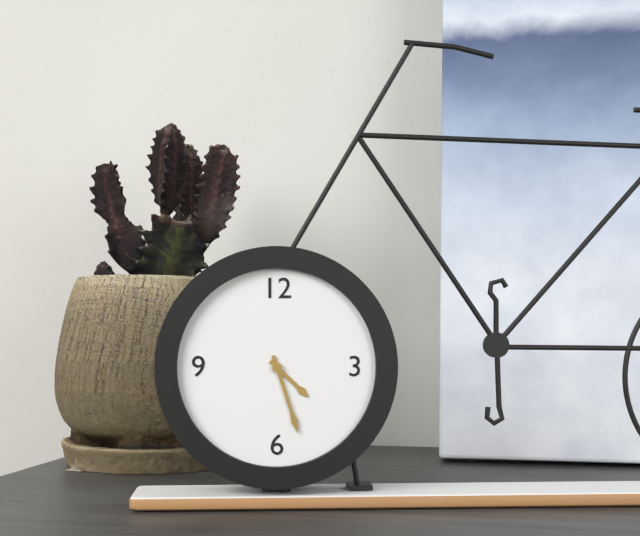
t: 4:27
